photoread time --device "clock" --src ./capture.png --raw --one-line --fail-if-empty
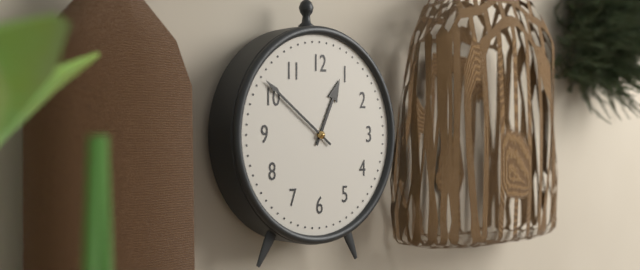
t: 12:51
